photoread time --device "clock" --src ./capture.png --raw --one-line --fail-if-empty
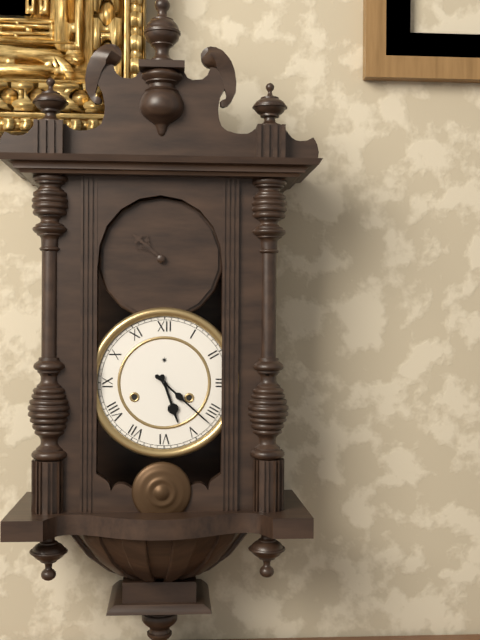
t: 5:22
